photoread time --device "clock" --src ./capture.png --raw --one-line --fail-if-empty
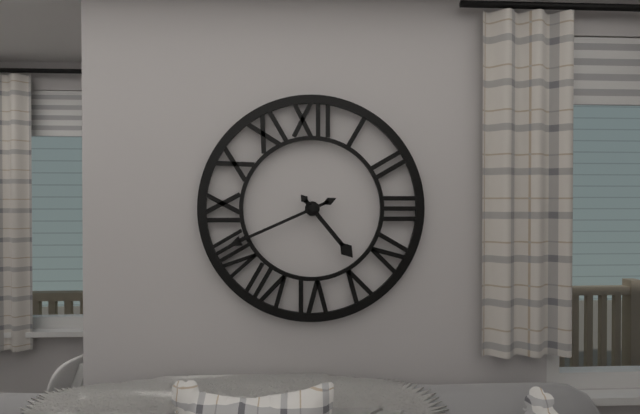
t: 4:41
